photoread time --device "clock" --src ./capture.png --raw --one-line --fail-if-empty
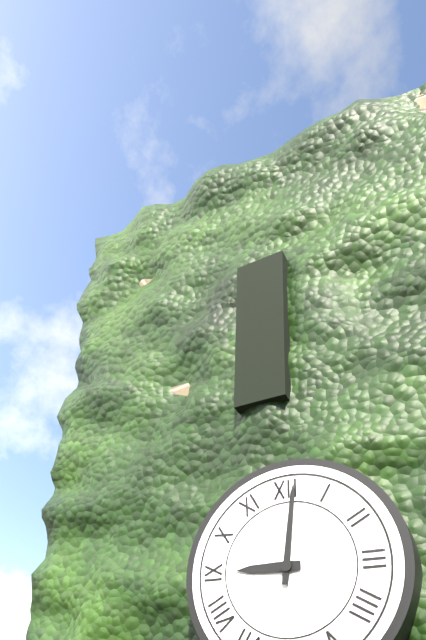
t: 9:01
